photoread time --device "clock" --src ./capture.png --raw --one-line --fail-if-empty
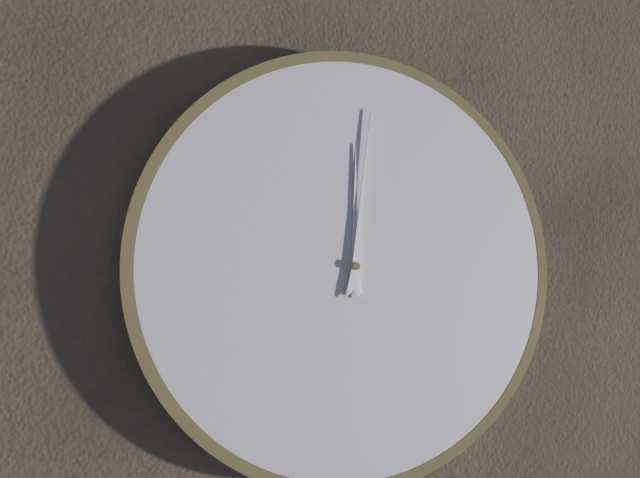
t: 12:01
